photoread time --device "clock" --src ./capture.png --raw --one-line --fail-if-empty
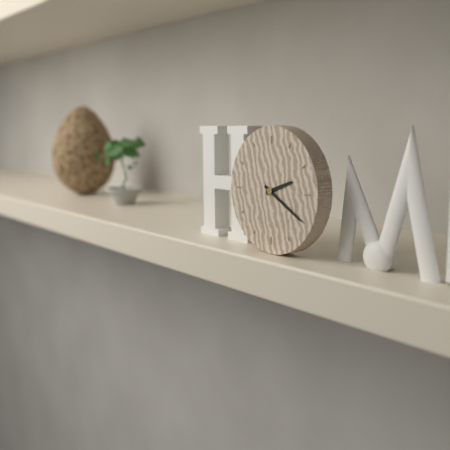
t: 2:20
